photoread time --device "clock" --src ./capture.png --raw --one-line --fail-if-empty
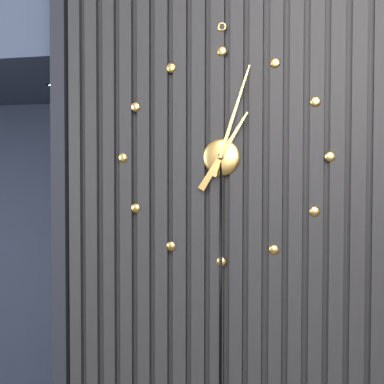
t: 1:03
